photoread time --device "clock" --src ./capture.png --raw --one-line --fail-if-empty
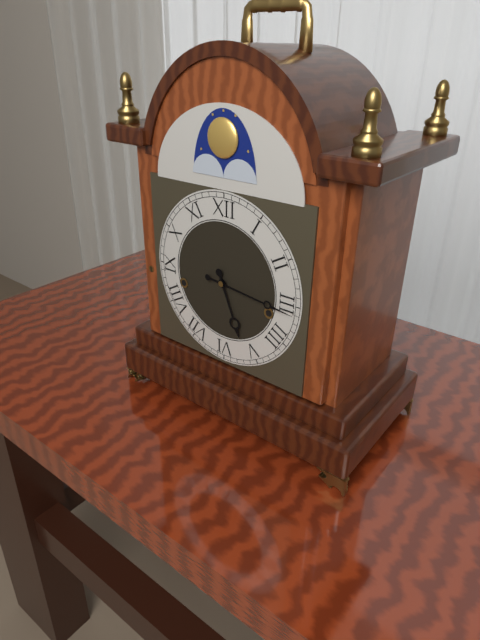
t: 5:16
